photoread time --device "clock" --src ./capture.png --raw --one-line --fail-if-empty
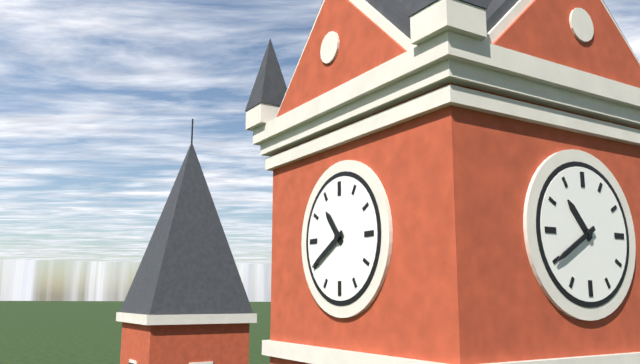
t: 10:40
